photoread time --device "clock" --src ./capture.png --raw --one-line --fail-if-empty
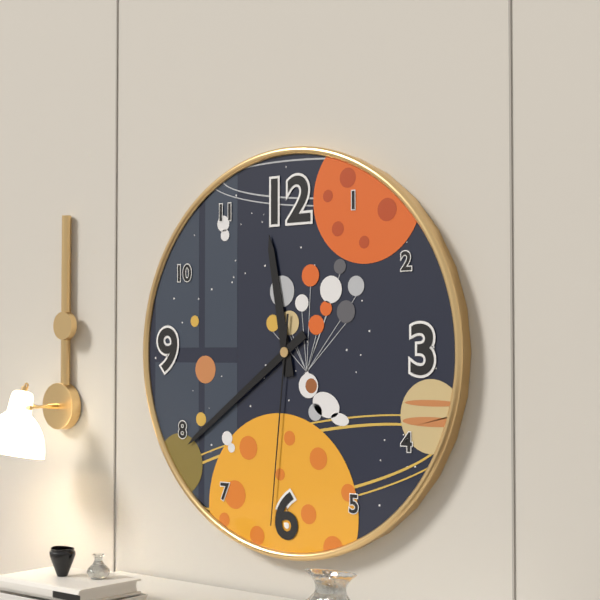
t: 11:39:31
